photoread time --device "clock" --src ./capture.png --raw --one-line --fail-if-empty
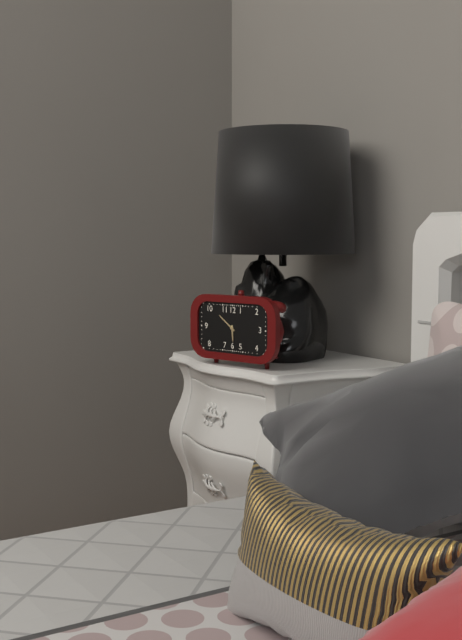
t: 5:51
